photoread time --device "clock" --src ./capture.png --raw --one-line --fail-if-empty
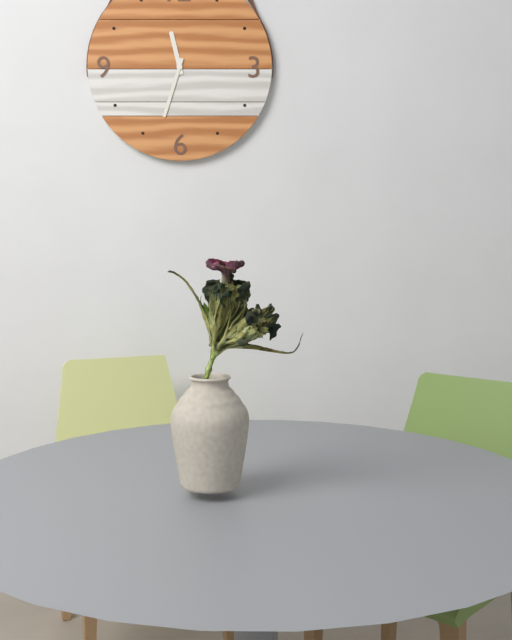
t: 11:33
